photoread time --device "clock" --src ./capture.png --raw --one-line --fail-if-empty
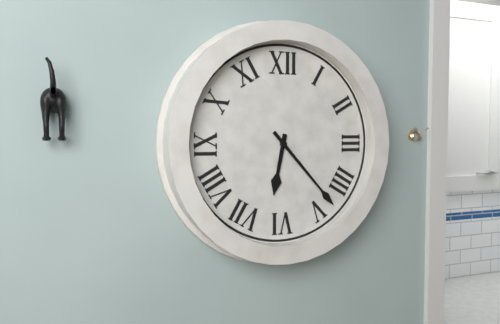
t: 6:23
